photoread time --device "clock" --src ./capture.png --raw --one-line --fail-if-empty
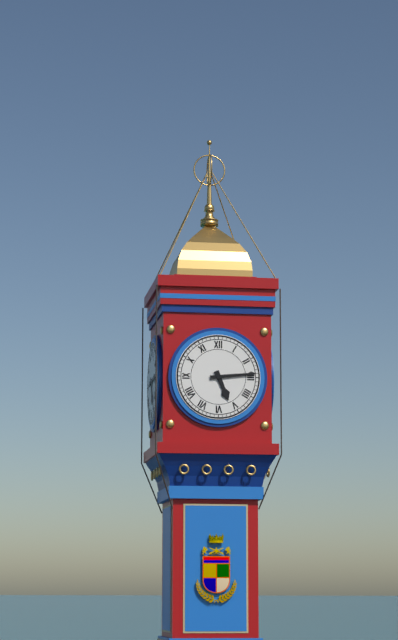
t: 5:14
